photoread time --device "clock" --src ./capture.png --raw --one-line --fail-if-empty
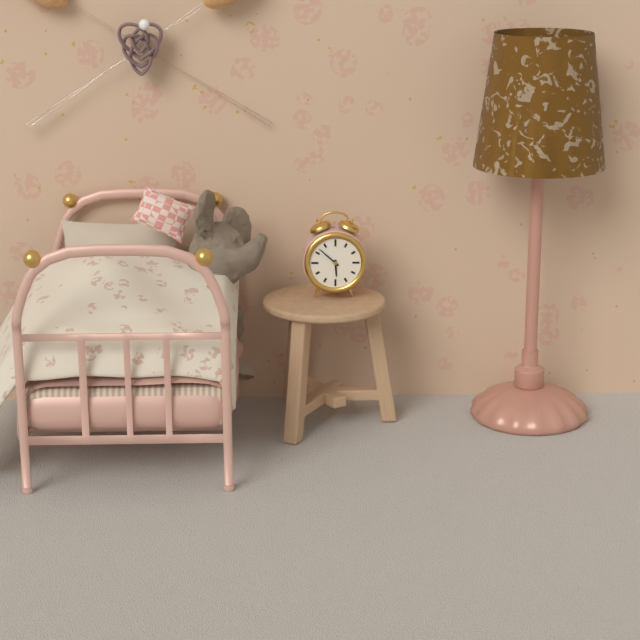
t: 5:52
